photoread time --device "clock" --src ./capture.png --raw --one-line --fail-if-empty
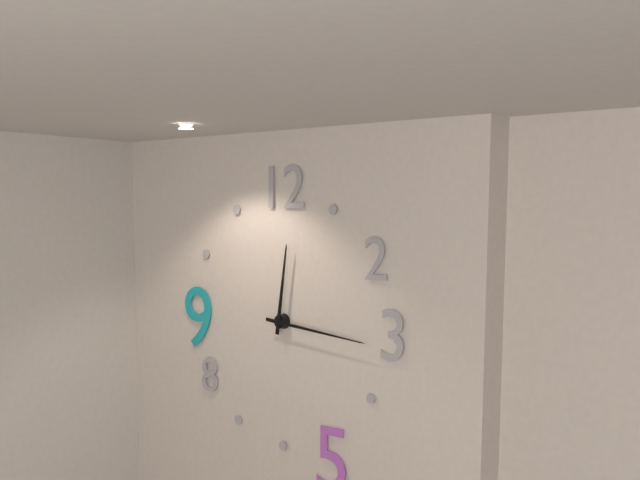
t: 12:16
